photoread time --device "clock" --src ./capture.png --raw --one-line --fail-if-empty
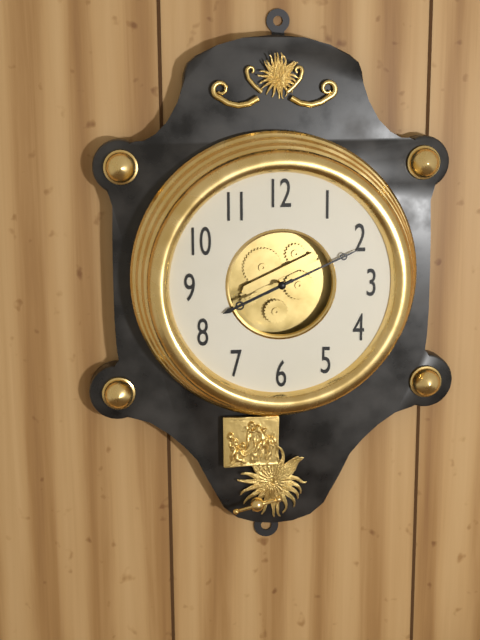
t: 8:11
